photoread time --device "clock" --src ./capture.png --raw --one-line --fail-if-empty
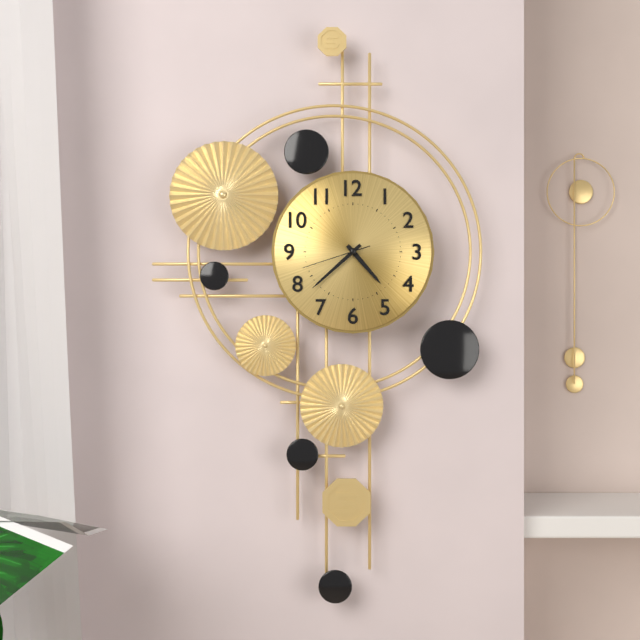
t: 4:38:42
